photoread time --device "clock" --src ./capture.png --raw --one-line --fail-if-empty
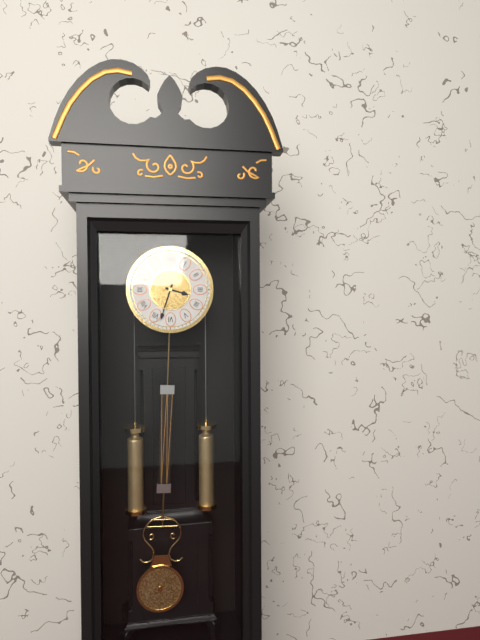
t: 3:33
